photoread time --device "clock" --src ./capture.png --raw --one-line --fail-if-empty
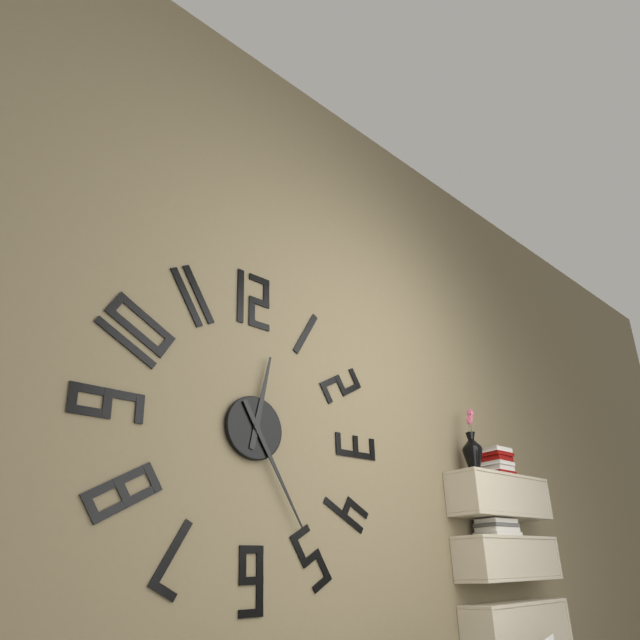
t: 12:25
